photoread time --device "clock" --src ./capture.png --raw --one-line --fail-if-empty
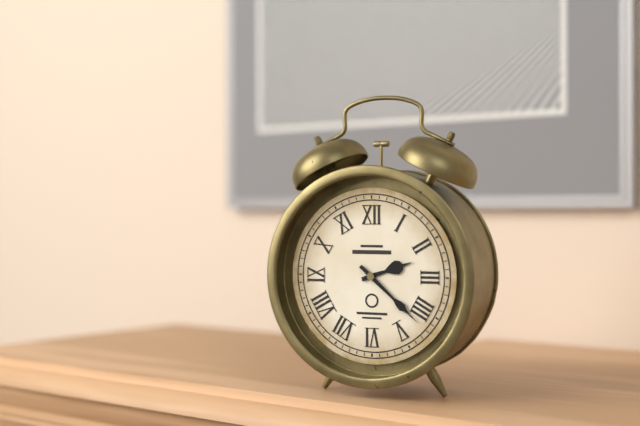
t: 2:22
